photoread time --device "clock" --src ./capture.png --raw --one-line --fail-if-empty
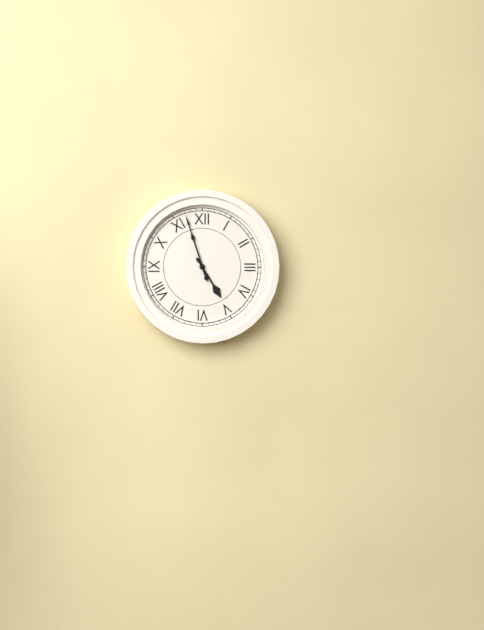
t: 4:57
